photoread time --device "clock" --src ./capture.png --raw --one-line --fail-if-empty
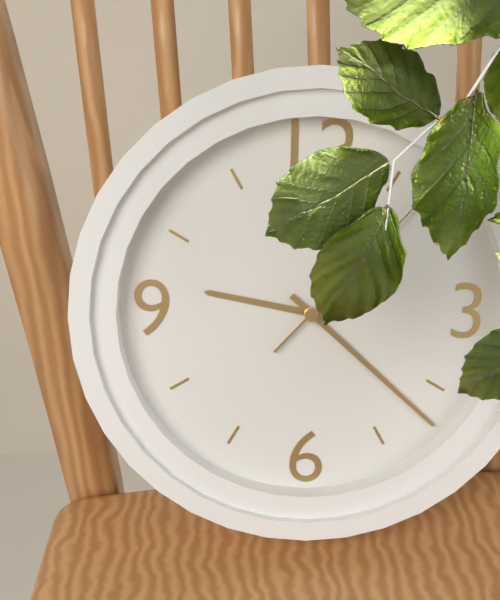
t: 9:22:07
